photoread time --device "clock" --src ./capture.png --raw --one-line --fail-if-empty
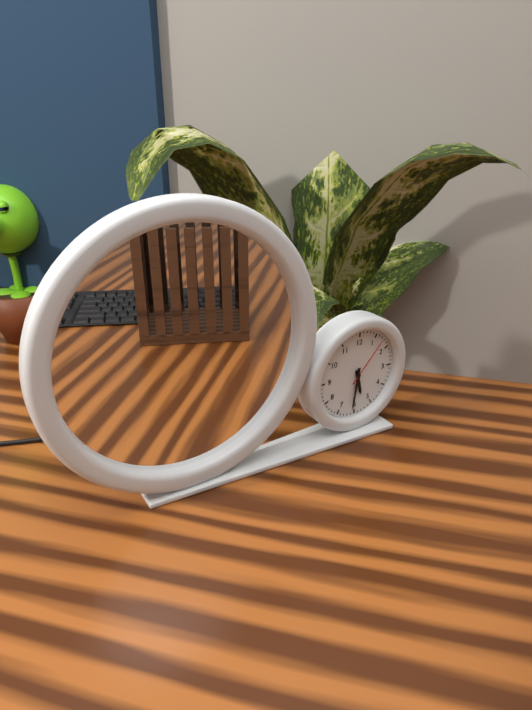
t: 5:31:07
